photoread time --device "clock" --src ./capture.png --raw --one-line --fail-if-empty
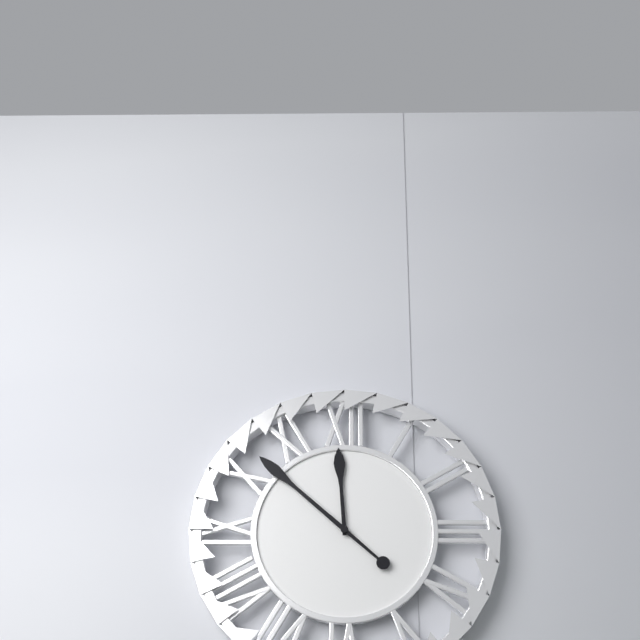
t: 11:52
